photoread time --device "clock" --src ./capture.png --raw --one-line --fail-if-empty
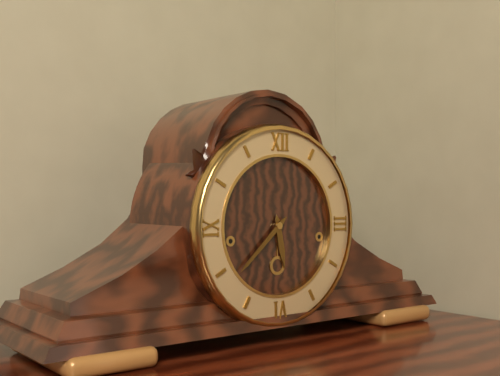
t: 5:38
